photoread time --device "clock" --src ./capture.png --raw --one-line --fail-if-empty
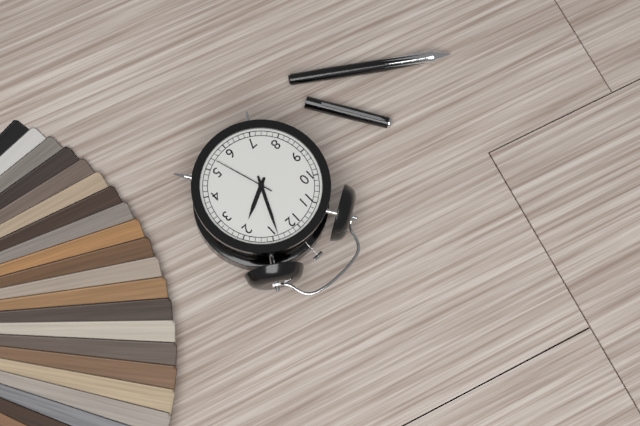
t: 2:04:27
